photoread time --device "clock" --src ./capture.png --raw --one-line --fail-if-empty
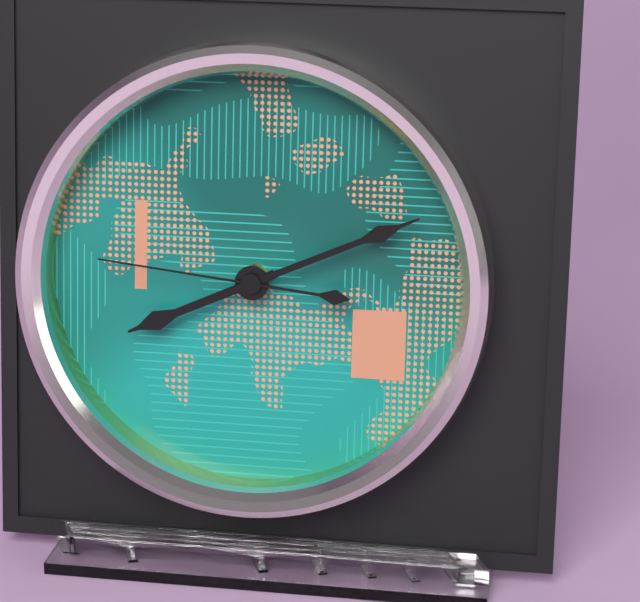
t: 8:11:46
